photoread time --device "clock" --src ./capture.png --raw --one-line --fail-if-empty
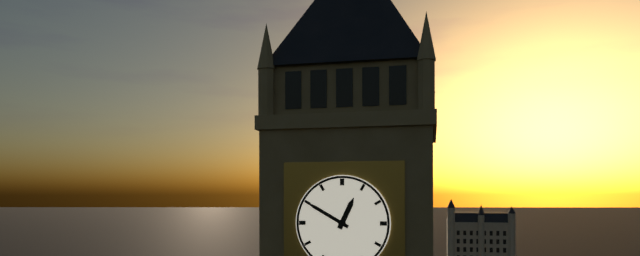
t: 12:50
